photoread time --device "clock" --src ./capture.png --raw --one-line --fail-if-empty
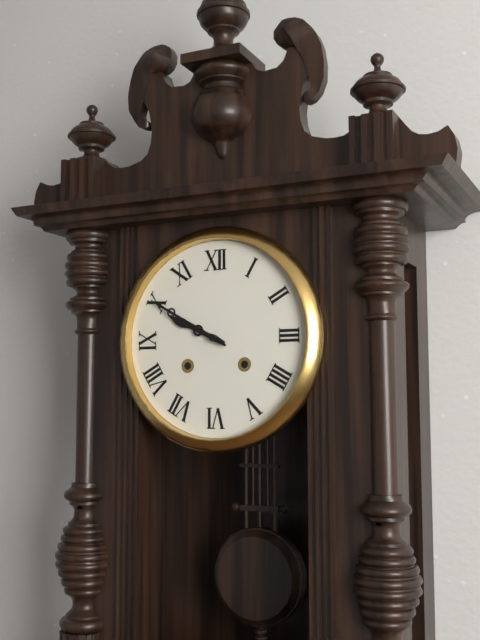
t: 9:50
